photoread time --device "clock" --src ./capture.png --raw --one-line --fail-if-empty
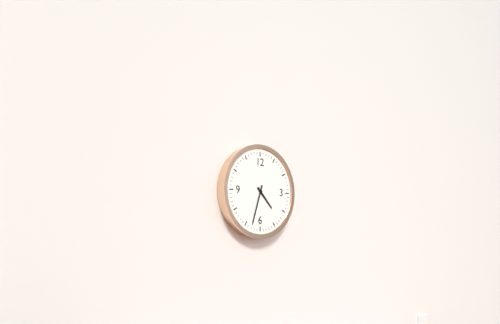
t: 4:33
